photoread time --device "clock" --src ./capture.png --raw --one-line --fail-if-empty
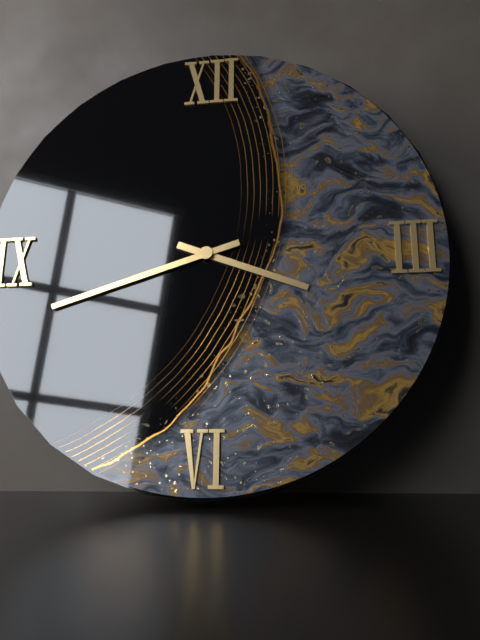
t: 3:42
